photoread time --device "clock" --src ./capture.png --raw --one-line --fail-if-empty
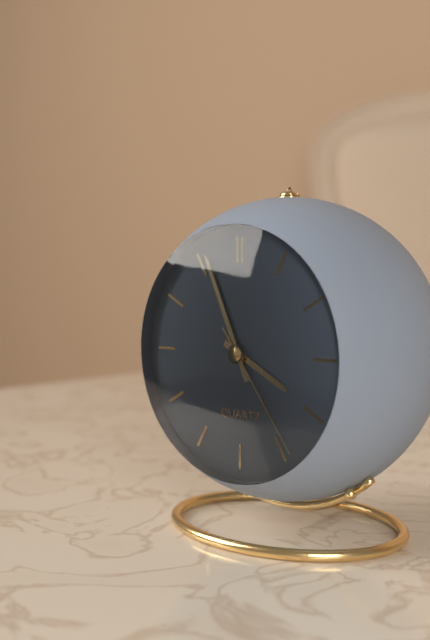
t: 3:56:24
